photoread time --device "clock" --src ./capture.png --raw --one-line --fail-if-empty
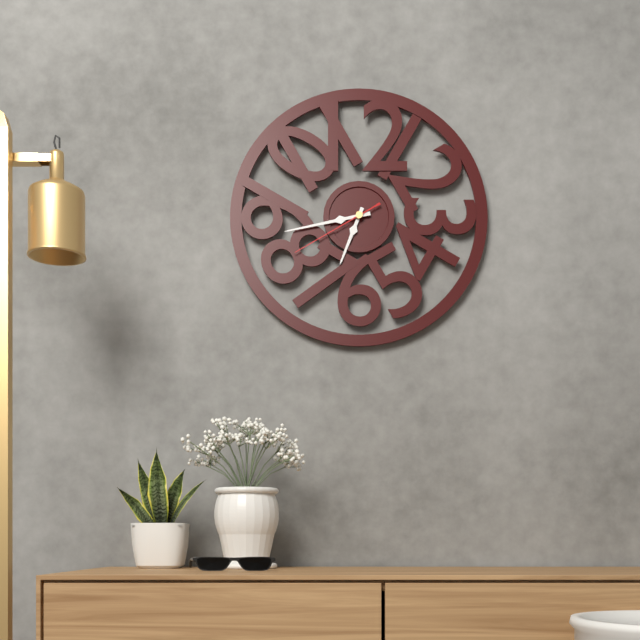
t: 6:43:40
